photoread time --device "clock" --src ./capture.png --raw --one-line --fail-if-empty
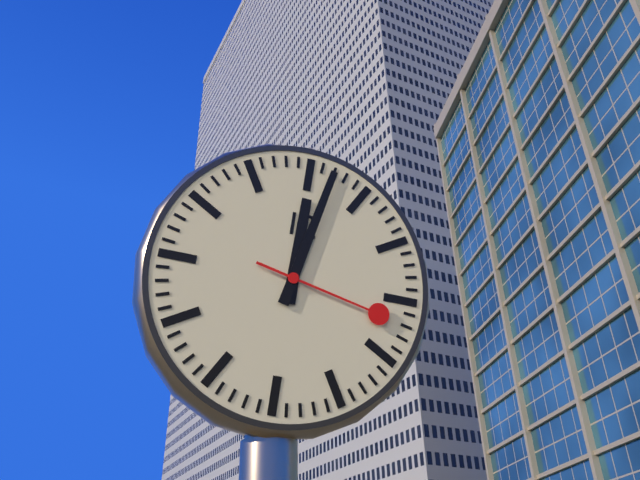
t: 12:02:17
